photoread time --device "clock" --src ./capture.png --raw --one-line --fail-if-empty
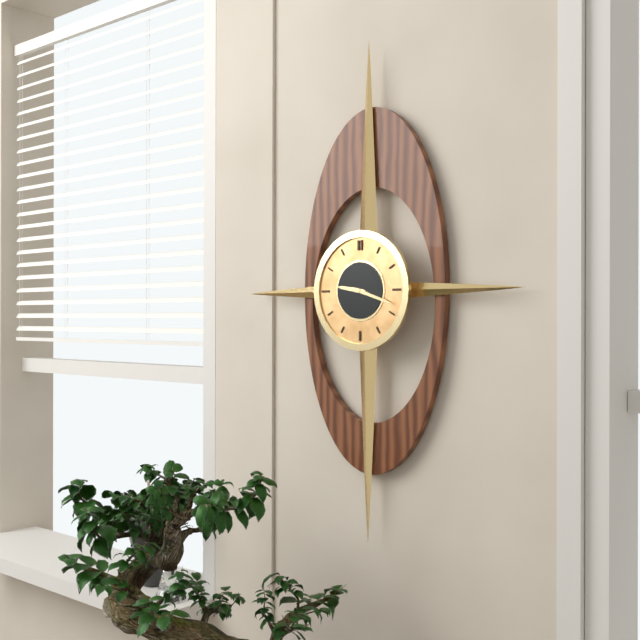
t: 9:18
